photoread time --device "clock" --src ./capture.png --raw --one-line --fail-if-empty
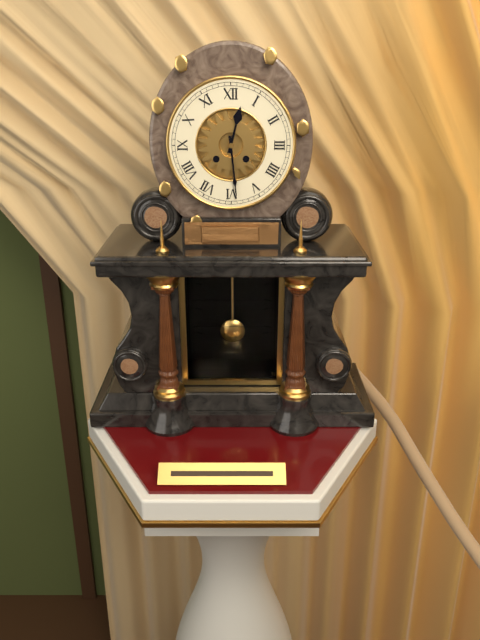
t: 12:29
